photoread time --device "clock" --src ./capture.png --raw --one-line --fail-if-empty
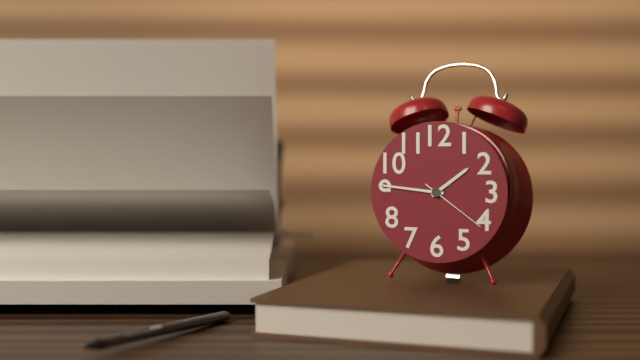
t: 1:46:21
